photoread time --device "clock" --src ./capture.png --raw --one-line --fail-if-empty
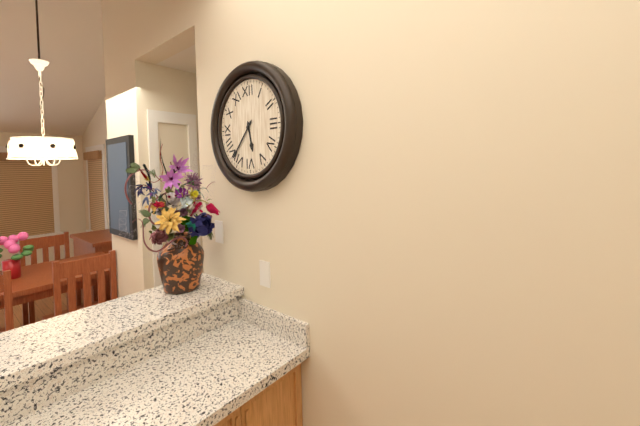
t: 5:37
